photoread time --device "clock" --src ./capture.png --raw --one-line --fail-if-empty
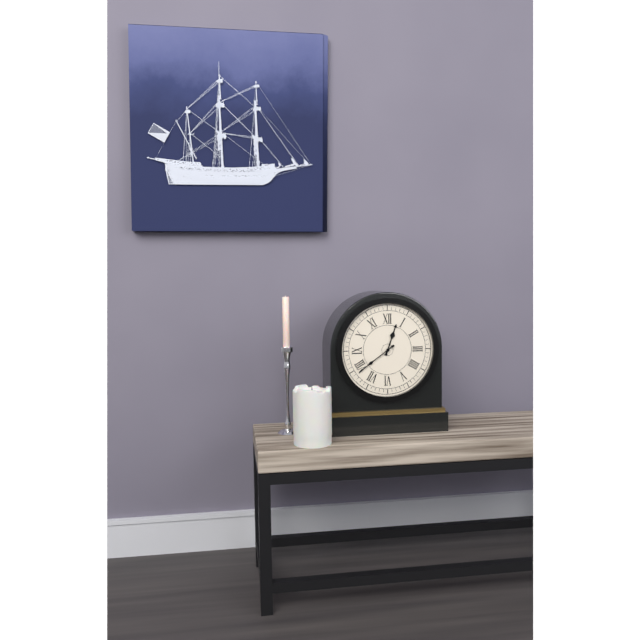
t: 12:39
